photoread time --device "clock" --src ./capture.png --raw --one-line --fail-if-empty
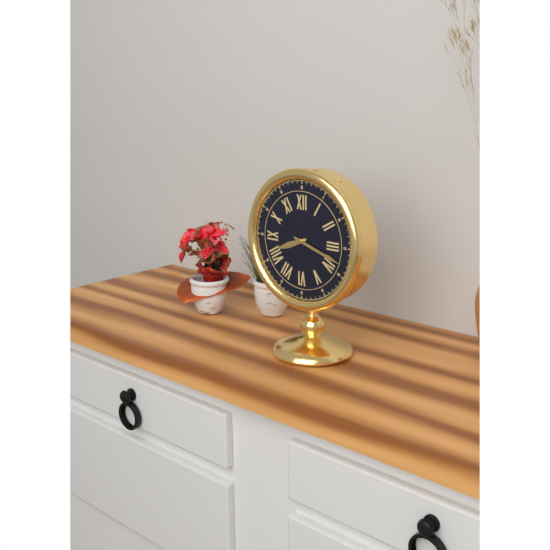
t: 8:18
